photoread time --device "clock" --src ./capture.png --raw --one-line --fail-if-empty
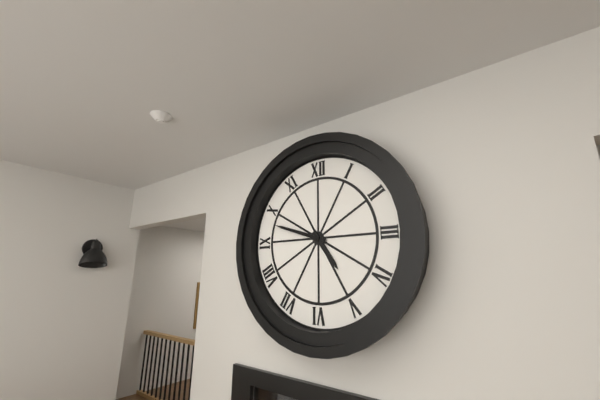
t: 4:48
